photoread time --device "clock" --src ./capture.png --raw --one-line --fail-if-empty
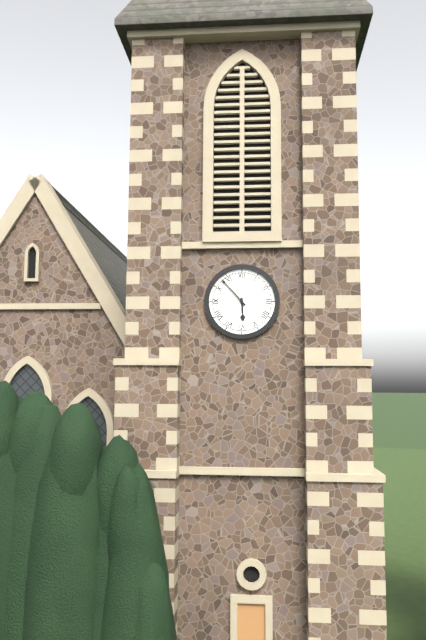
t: 5:53
